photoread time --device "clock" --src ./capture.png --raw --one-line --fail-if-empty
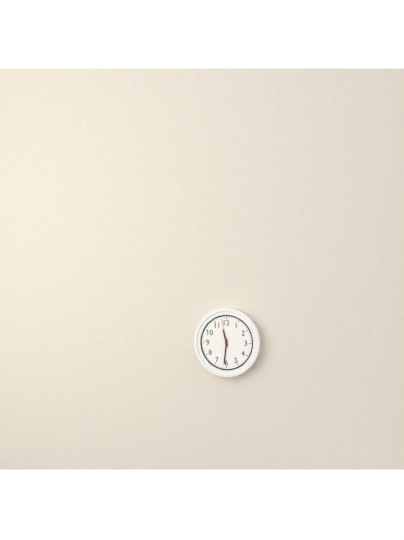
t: 11:31
